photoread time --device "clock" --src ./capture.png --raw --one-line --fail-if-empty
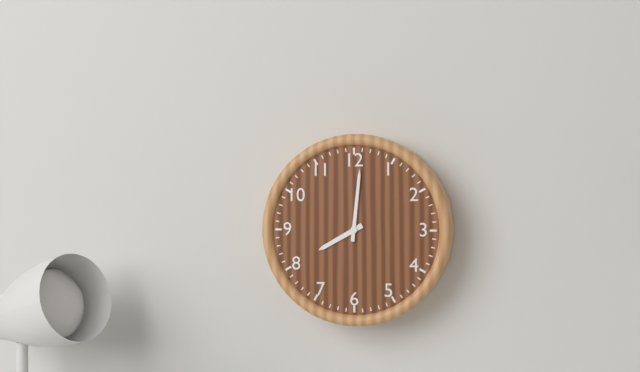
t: 8:01
